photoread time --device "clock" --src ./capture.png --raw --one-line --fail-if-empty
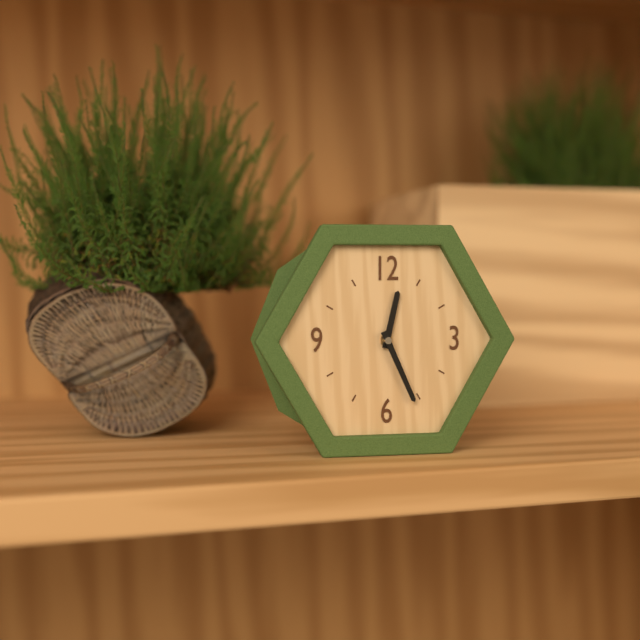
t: 12:26
